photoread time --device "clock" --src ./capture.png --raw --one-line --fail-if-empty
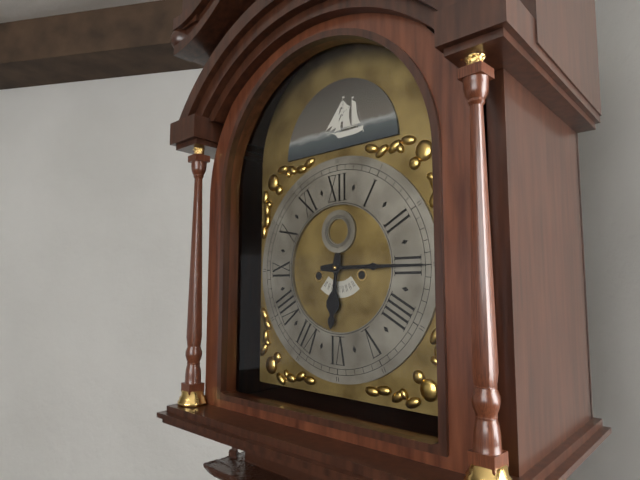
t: 6:15
